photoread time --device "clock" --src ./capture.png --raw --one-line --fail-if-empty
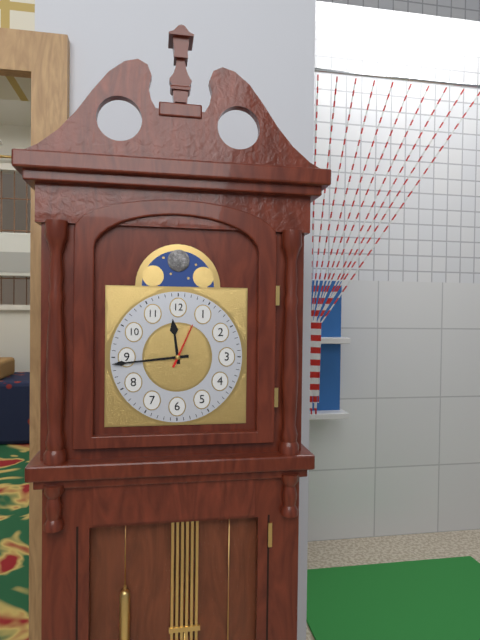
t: 11:44
